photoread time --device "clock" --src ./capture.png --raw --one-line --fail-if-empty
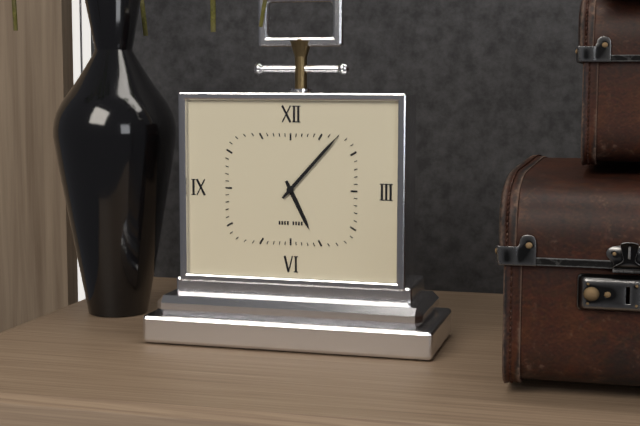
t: 5:07
